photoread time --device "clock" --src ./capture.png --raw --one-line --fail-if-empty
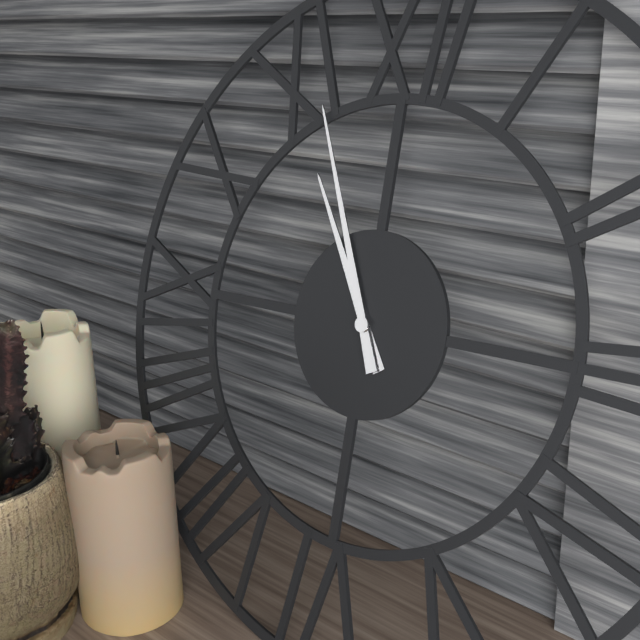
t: 10:56
